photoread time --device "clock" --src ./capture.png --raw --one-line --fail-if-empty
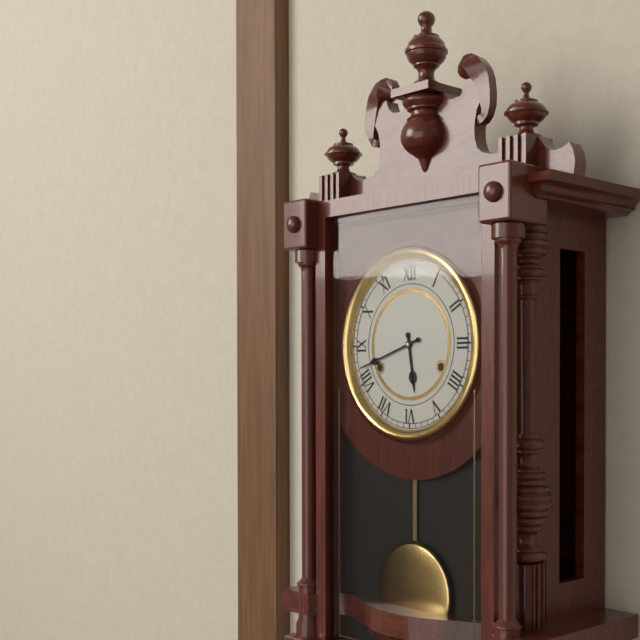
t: 5:42
